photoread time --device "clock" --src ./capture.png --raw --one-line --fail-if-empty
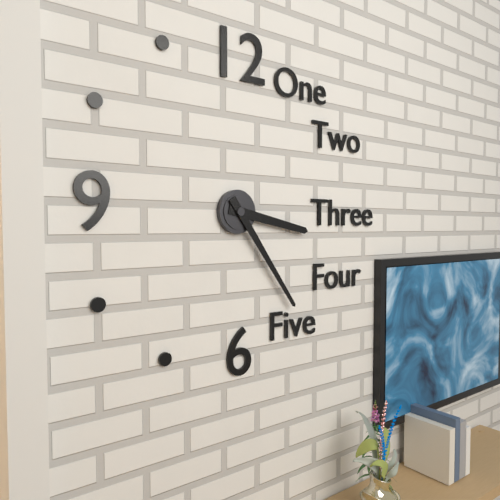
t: 3:24
